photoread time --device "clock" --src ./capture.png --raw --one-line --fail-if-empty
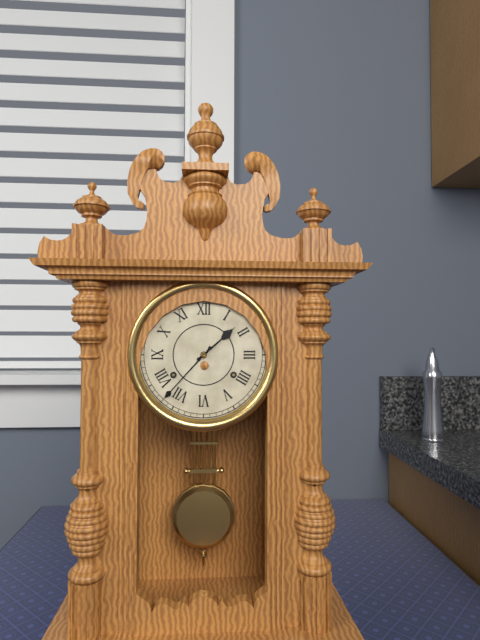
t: 1:37
